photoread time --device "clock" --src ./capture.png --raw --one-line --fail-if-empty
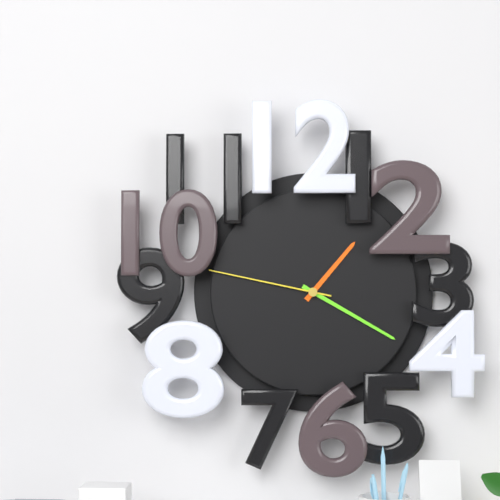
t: 1:20:47
